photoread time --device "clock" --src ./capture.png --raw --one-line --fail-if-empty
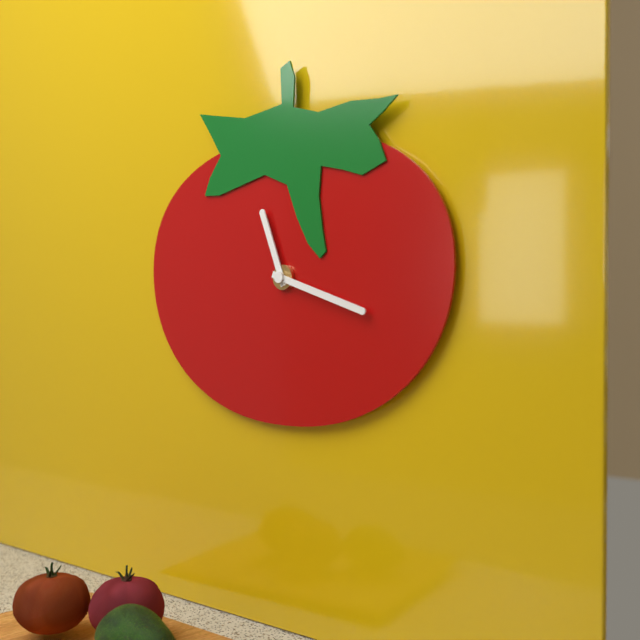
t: 11:18
